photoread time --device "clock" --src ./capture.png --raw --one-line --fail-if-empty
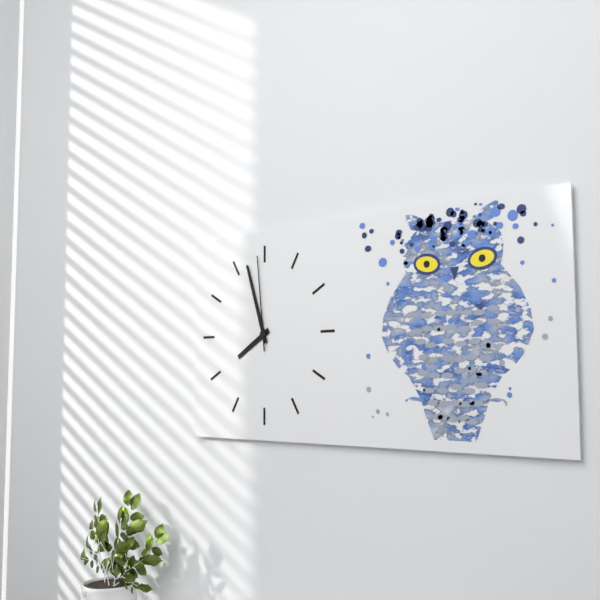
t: 7:57:59
